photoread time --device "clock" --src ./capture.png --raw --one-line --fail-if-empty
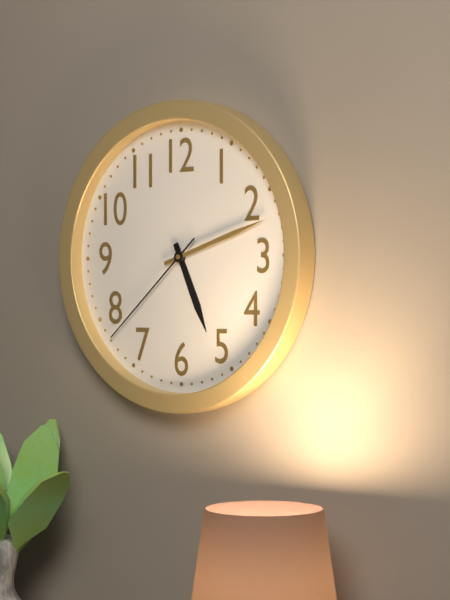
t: 5:12:38
